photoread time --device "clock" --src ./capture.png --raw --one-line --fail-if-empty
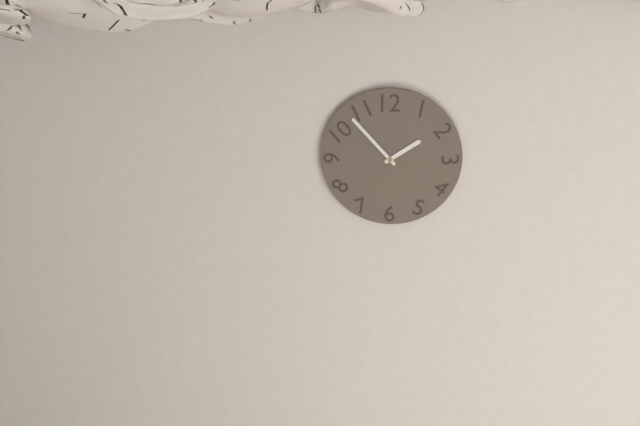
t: 1:53
